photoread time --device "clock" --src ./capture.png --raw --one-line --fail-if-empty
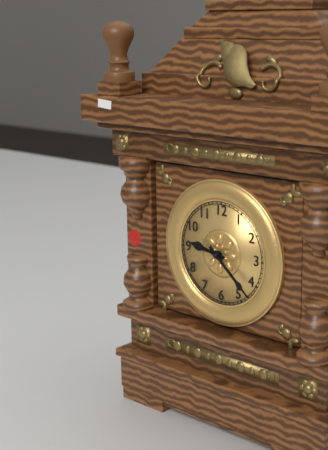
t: 9:22
